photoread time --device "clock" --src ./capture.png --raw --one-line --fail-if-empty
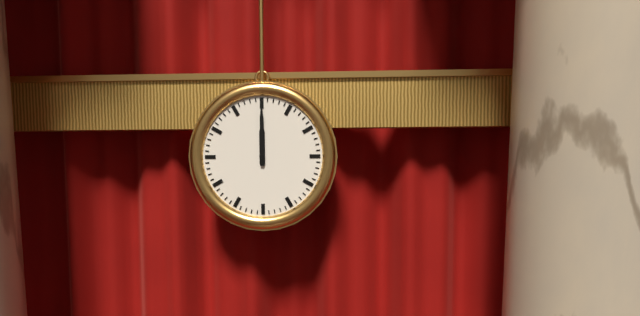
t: 12:00
